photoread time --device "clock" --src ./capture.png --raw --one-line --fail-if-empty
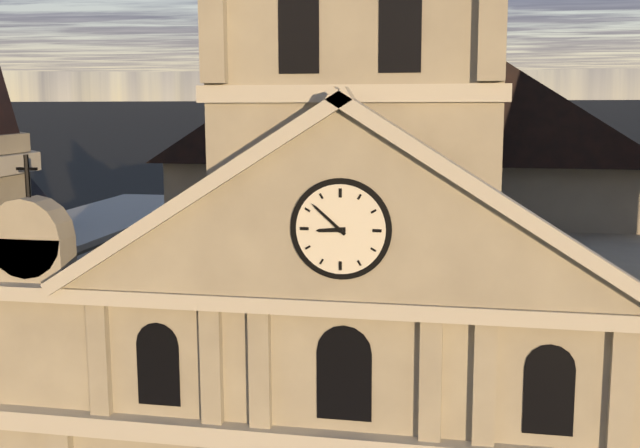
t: 8:52
